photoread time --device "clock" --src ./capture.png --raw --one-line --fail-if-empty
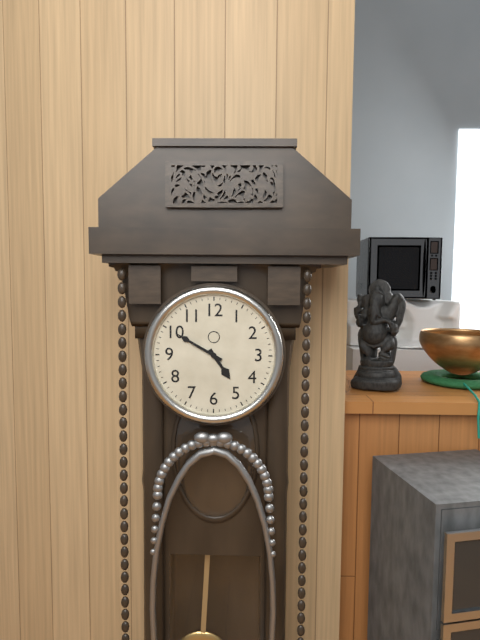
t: 4:50
